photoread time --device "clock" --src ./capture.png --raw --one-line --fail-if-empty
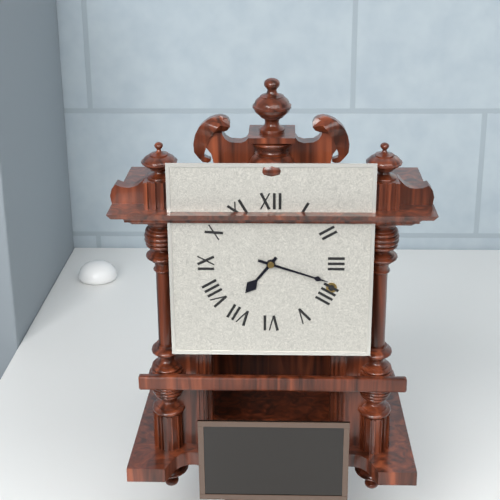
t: 7:18
